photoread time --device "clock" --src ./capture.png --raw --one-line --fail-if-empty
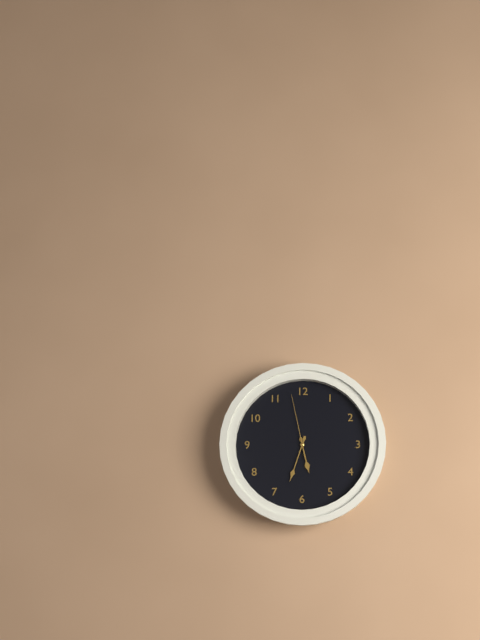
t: 5:33:58
